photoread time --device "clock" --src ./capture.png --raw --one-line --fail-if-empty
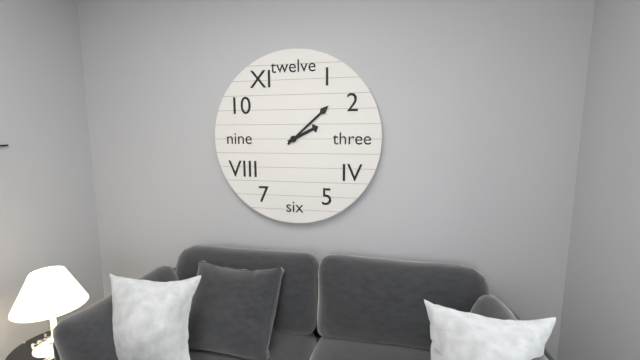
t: 2:08
